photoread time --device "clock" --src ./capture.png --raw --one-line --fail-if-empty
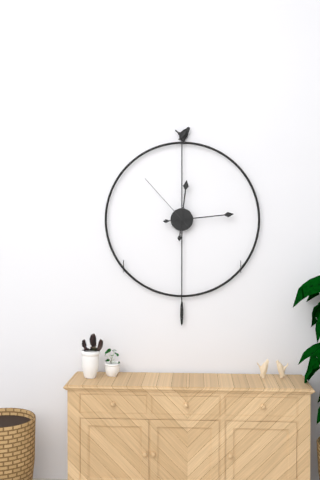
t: 12:14:53
